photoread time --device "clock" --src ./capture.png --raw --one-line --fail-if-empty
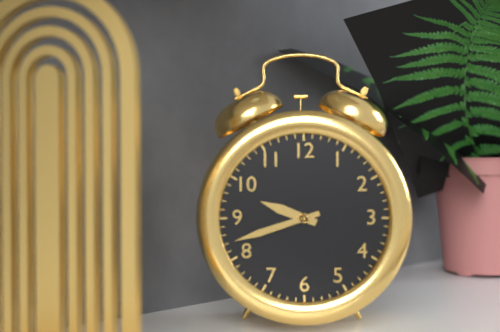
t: 9:42
